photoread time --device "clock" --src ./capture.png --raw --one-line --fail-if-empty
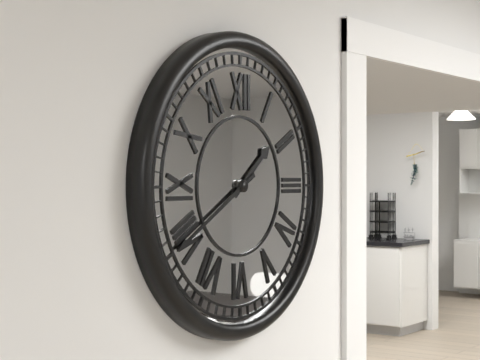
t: 1:40
